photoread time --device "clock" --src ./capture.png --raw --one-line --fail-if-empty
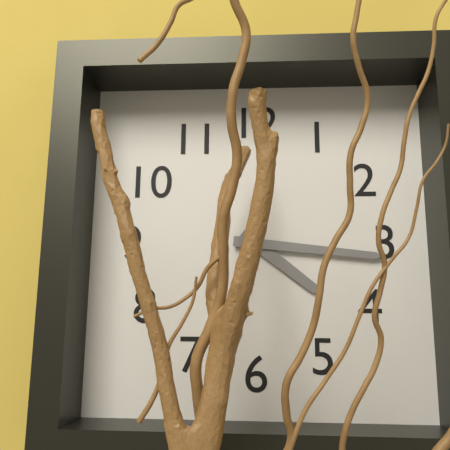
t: 4:16
